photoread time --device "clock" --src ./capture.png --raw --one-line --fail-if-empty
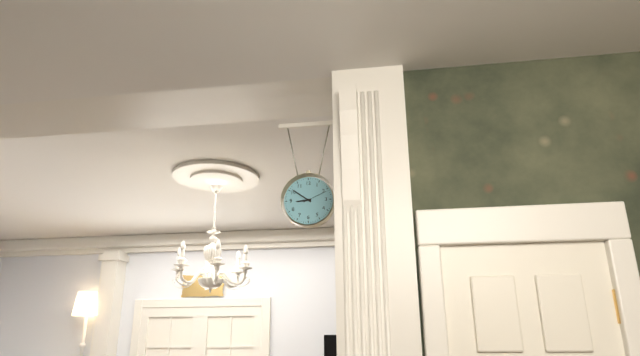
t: 8:51
